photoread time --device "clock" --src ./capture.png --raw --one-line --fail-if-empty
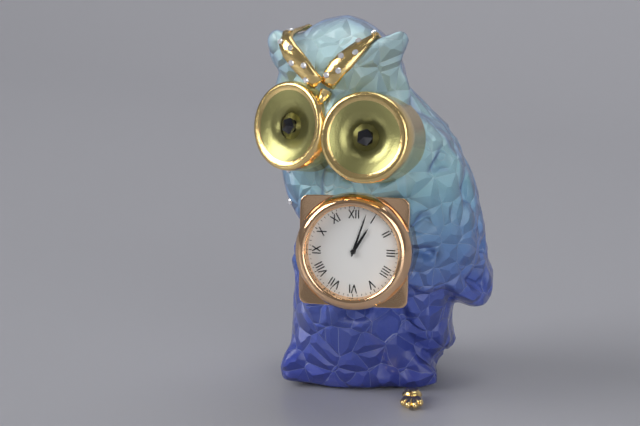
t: 1:03
